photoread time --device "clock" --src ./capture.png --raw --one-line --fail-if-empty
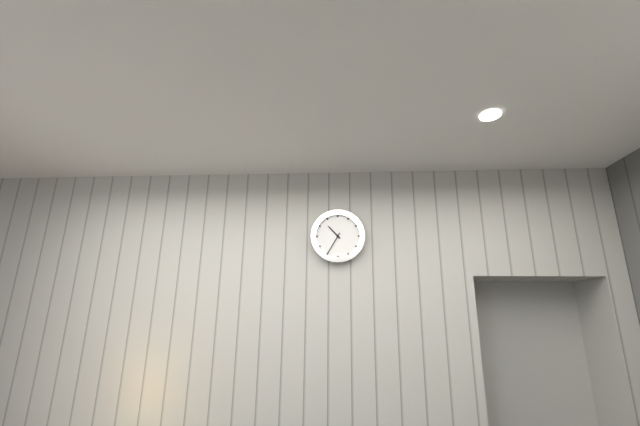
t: 10:35
